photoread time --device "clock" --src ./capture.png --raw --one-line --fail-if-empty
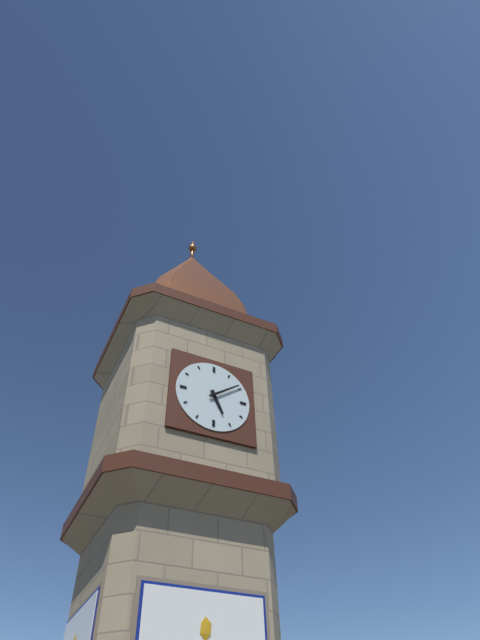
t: 5:09
